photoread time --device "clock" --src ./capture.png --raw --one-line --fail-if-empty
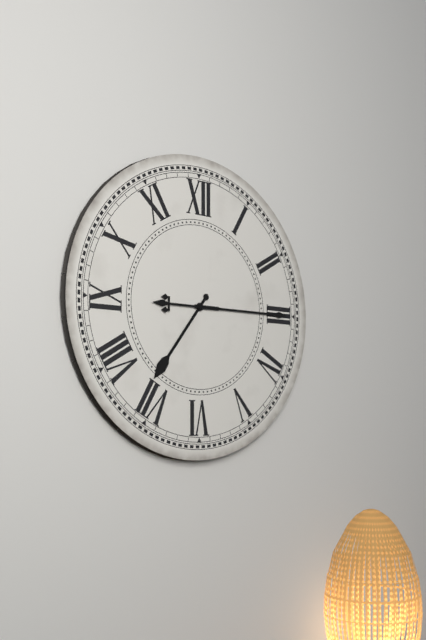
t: 7:15
